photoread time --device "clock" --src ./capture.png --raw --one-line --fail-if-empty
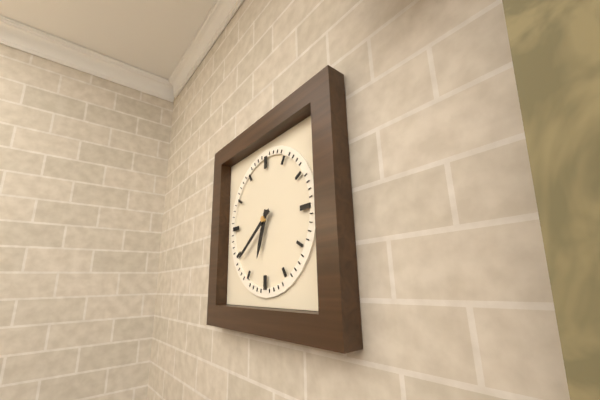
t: 6:39
